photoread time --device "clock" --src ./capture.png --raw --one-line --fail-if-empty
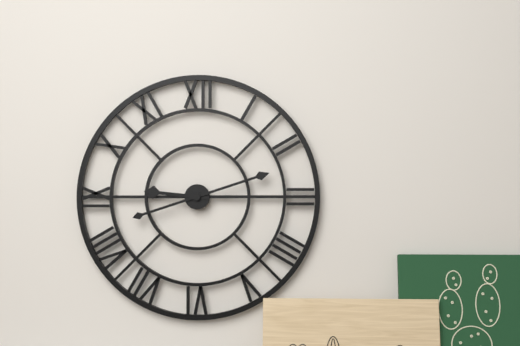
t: 9:12
